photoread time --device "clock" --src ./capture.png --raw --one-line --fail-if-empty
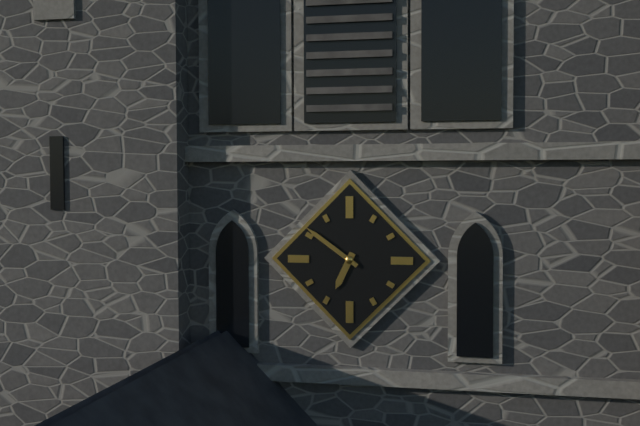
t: 6:51
